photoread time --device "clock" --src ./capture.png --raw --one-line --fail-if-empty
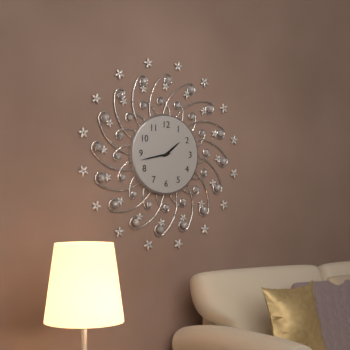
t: 1:43
